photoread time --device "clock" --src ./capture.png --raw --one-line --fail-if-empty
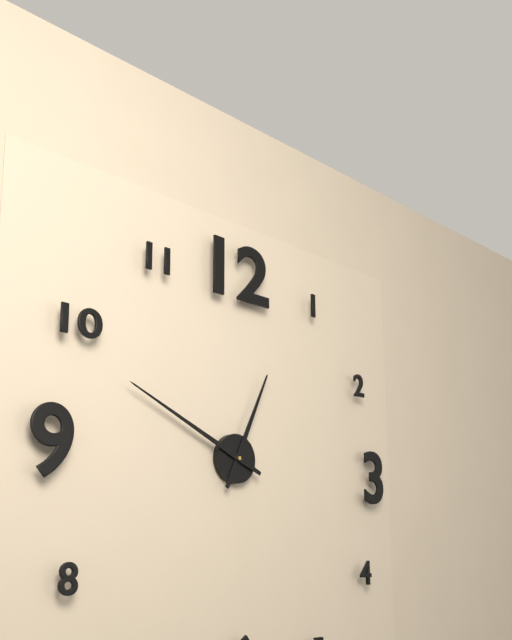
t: 12:49
